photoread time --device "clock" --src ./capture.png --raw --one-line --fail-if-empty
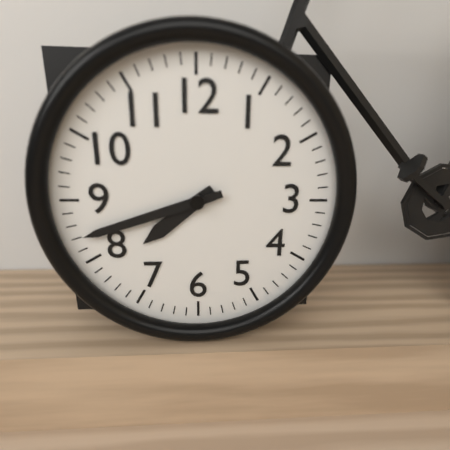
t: 7:42
